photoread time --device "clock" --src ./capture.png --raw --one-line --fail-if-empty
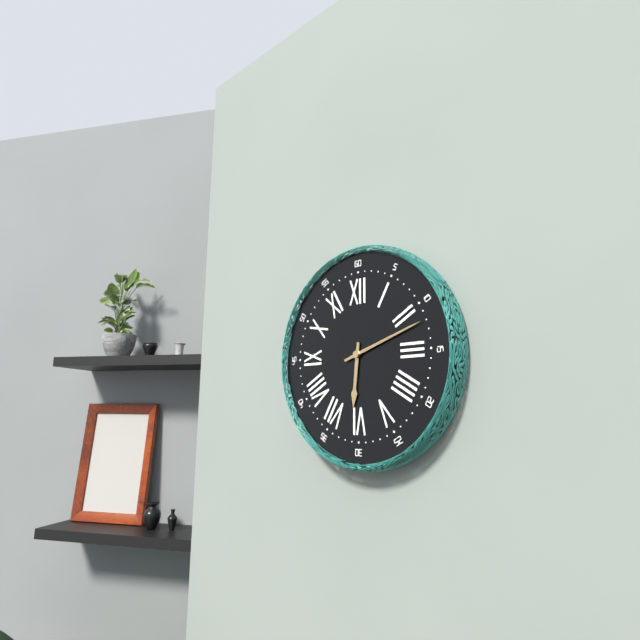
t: 6:12
